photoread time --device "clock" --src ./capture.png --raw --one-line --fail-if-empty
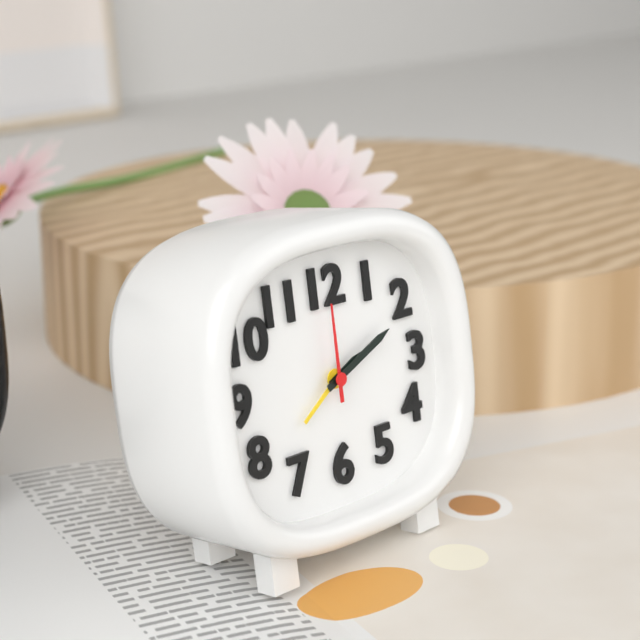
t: 2:11:00
